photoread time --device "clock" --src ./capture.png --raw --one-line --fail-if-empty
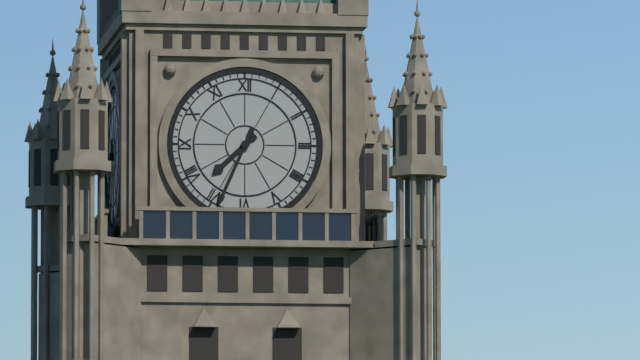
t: 7:34
